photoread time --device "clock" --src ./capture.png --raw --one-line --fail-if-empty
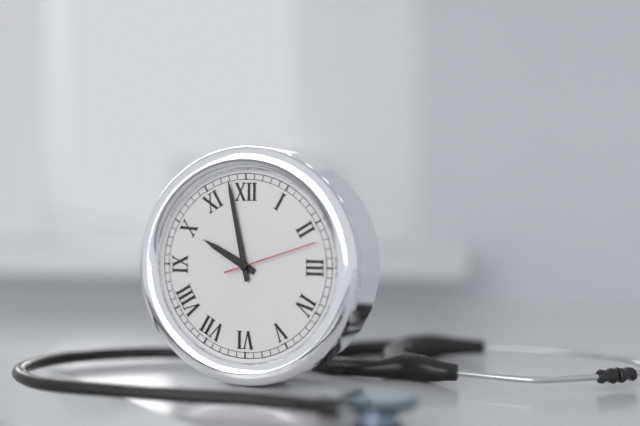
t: 9:58:12
